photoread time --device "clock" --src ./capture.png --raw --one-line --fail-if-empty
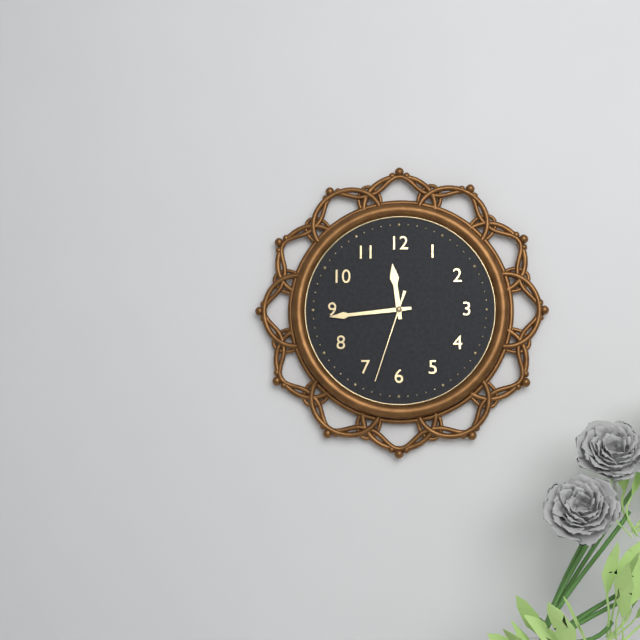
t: 11:44:33
